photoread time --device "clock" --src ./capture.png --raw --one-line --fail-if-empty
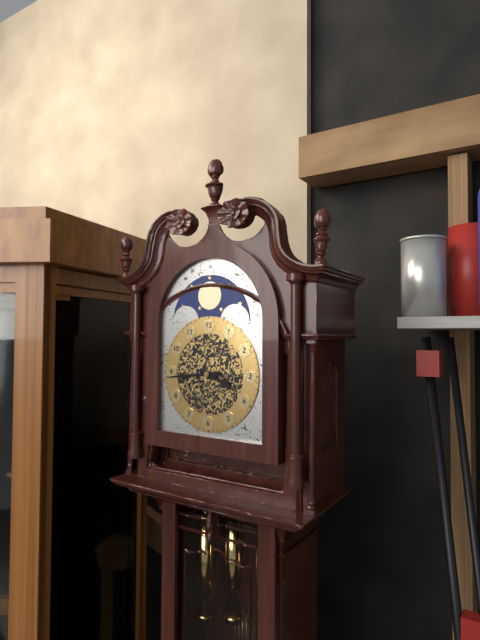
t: 3:44
